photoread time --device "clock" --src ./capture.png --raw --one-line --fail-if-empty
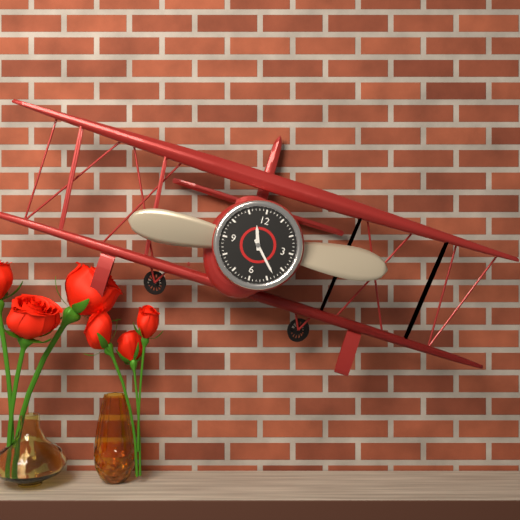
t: 11:23
